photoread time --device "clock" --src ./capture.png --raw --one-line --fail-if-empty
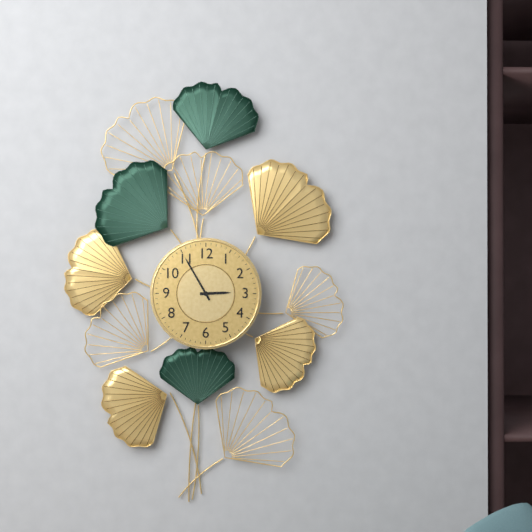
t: 2:55
